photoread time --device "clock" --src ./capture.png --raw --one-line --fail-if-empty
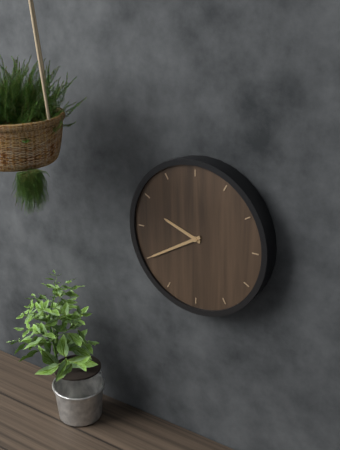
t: 9:40
